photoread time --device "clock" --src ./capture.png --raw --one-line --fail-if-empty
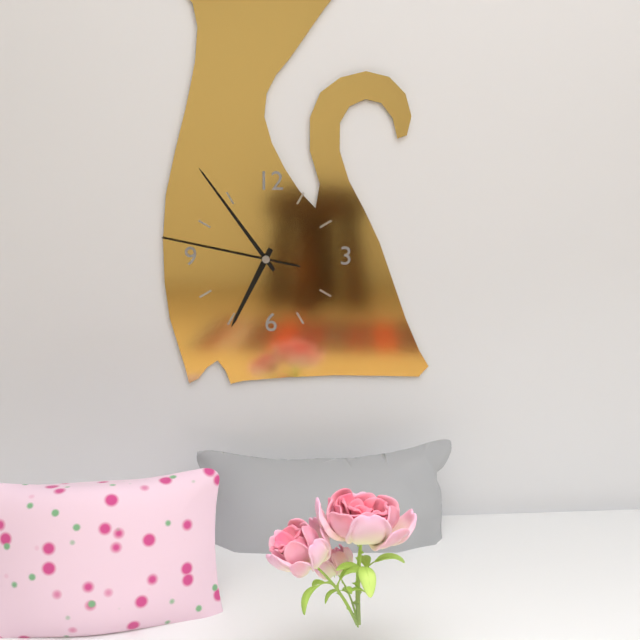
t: 6:54:47
